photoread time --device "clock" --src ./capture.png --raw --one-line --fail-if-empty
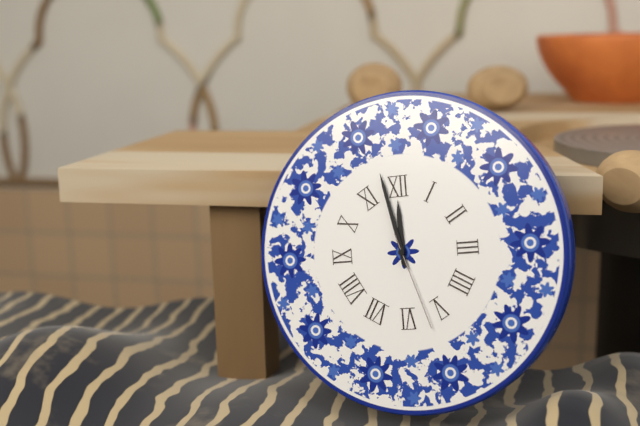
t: 11:58:27
